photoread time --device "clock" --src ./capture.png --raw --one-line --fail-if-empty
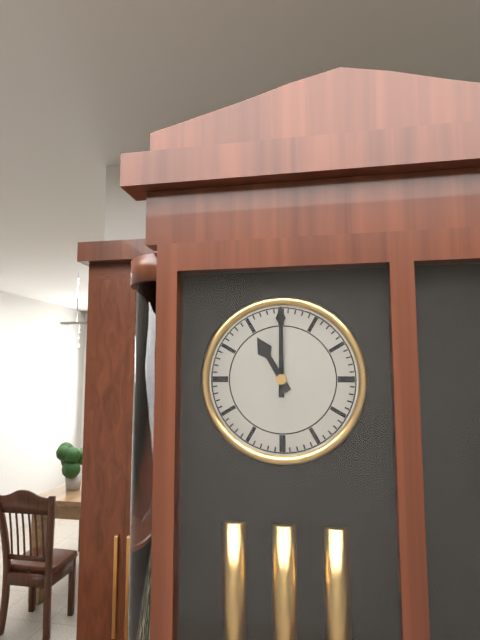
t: 11:00
